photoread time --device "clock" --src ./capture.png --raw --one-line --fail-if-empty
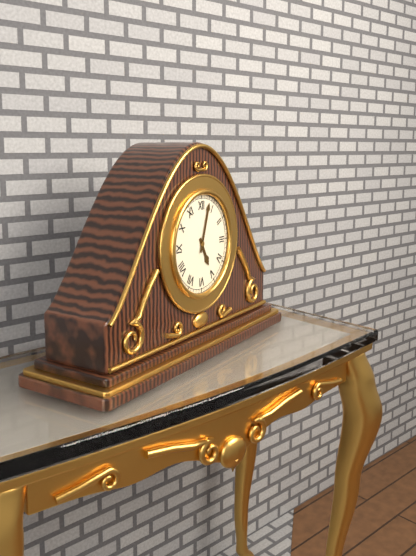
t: 5:03
